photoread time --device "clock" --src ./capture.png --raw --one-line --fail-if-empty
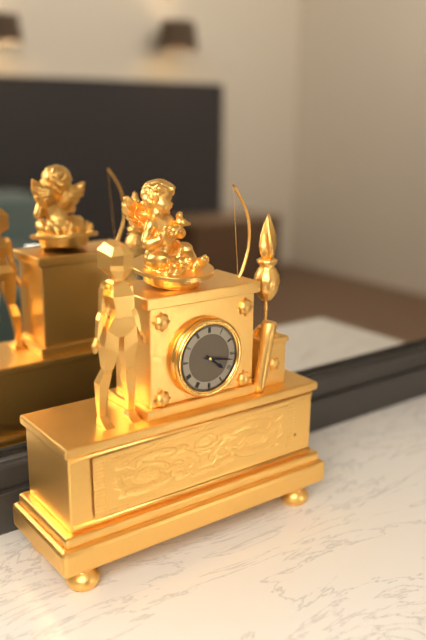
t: 4:17
